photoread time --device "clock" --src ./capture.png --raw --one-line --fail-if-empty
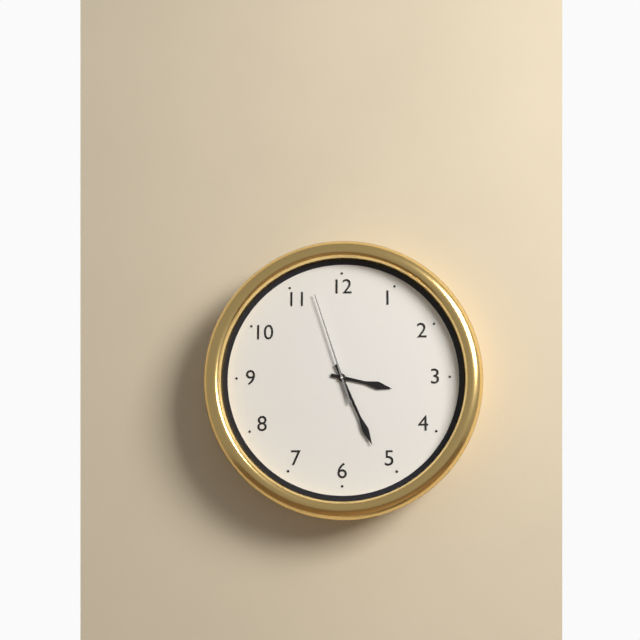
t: 3:26:57
